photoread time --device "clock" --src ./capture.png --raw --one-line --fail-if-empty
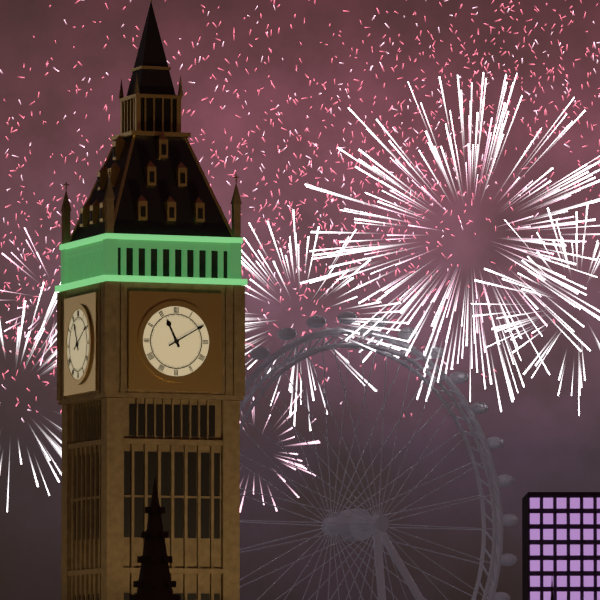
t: 11:10
